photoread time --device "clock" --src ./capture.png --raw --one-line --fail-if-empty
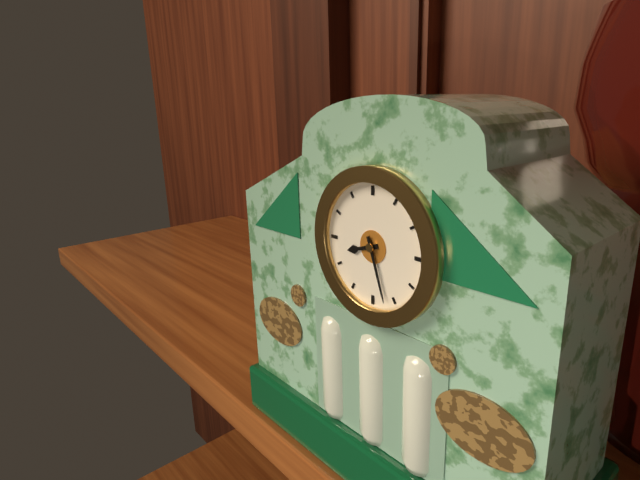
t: 8:27
